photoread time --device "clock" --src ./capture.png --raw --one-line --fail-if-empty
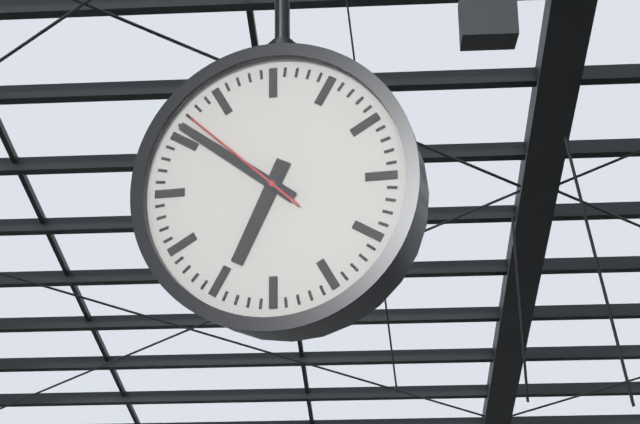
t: 6:51:52
